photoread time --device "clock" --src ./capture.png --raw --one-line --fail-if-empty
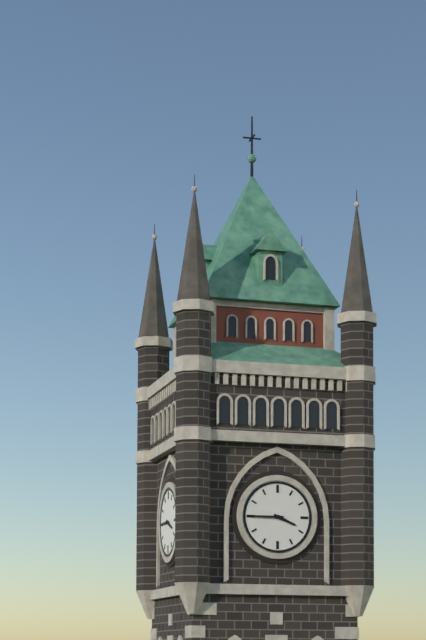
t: 3:45
